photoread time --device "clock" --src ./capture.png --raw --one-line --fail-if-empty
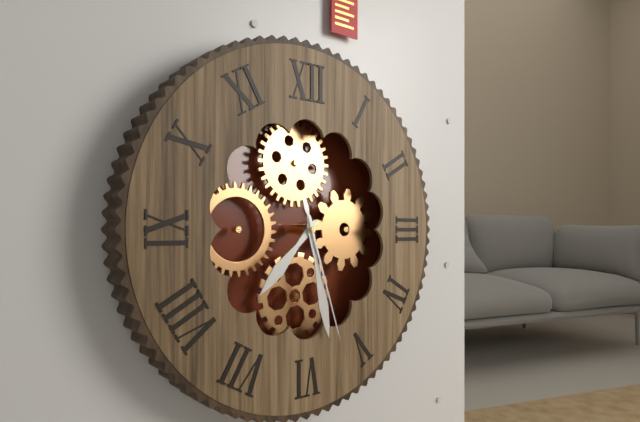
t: 7:28:27
